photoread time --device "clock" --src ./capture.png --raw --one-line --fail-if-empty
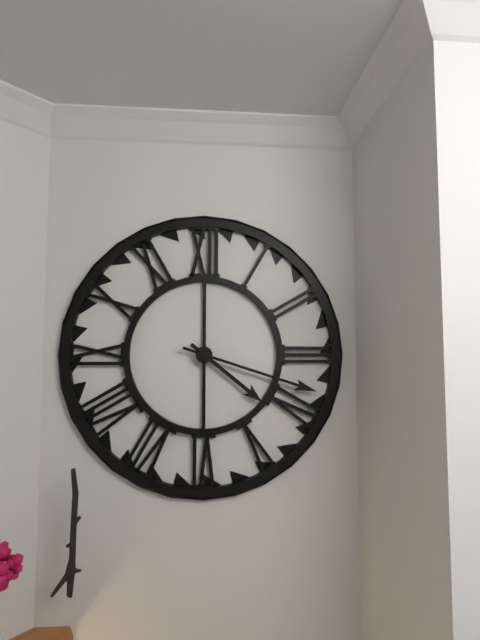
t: 4:18
